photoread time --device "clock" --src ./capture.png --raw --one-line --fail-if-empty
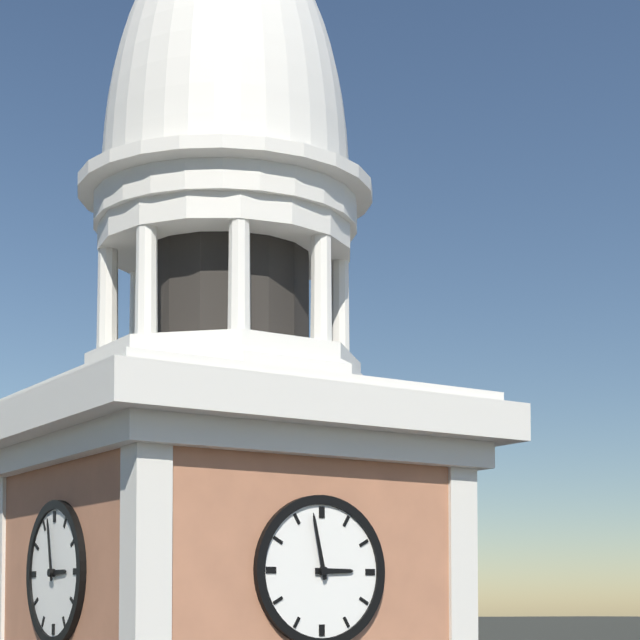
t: 2:58
